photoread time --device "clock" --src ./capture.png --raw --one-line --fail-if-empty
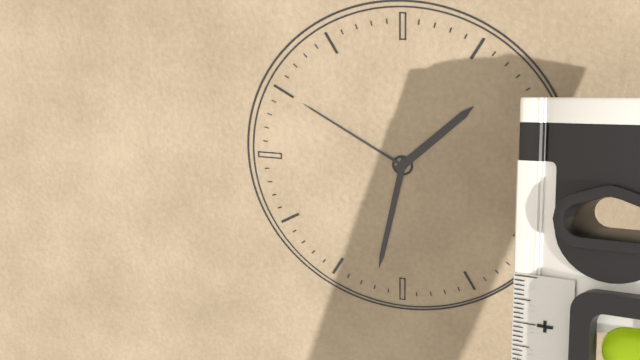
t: 1:32:50
